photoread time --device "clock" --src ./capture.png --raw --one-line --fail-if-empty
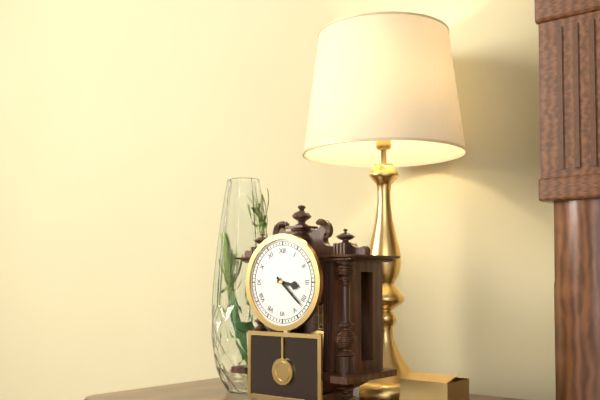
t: 3:22
